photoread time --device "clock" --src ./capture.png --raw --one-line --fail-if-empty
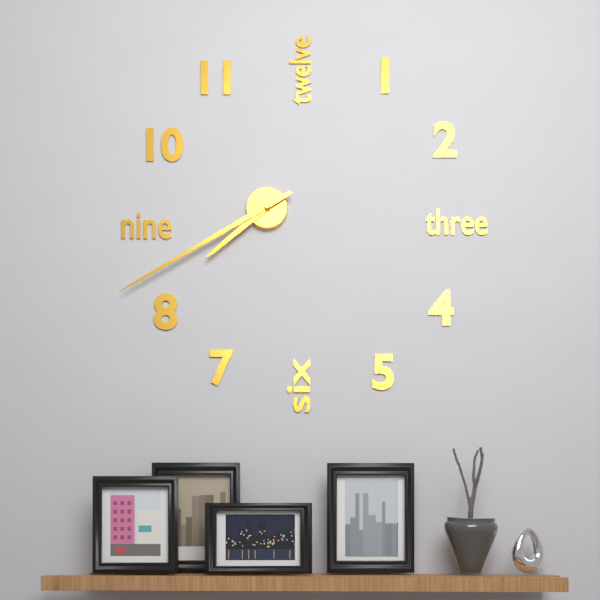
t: 7:40
